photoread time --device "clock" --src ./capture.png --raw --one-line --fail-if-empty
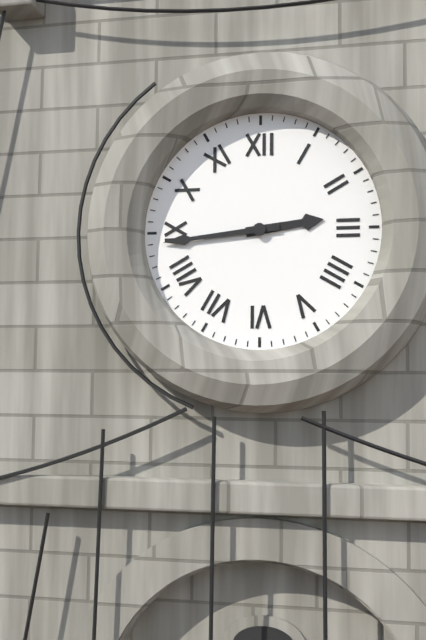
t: 2:44
